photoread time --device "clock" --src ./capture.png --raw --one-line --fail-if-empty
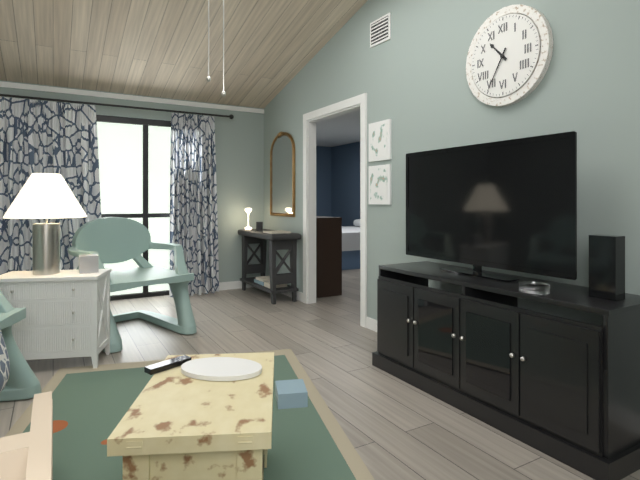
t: 10:35
